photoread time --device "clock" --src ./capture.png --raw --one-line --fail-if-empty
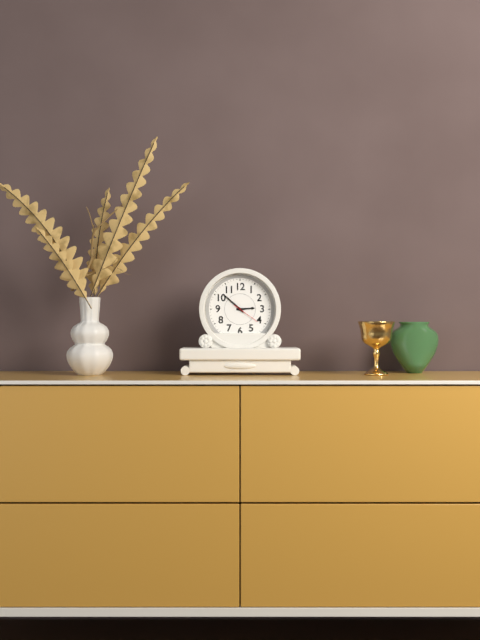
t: 2:52
